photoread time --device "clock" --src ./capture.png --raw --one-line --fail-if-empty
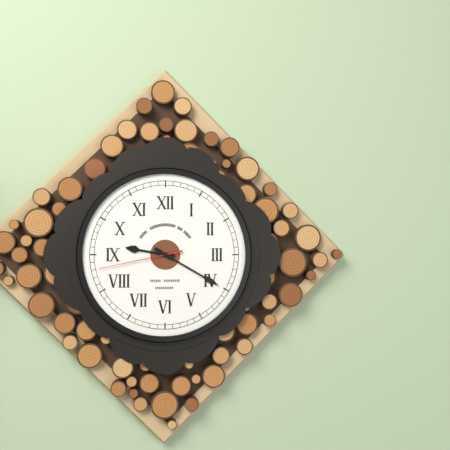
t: 9:20:43
